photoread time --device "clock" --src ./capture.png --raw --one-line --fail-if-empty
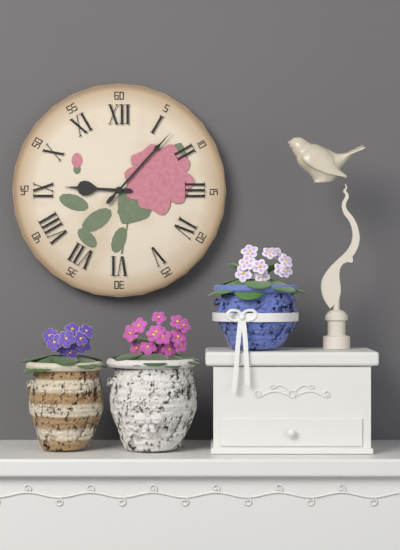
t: 9:07
